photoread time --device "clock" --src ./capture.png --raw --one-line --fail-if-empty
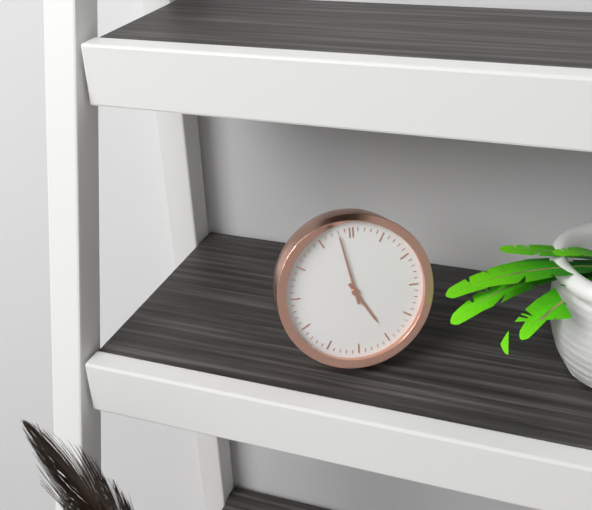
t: 4:58
